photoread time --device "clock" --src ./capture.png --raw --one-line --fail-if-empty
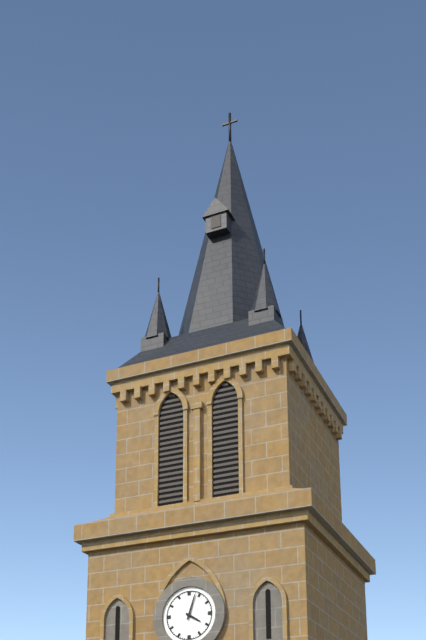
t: 4:03
